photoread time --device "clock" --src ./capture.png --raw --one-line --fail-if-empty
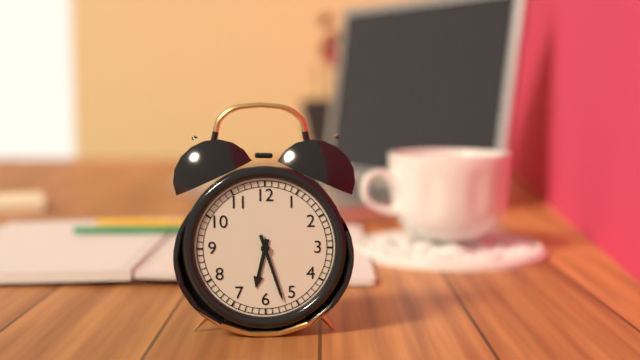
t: 6:27
